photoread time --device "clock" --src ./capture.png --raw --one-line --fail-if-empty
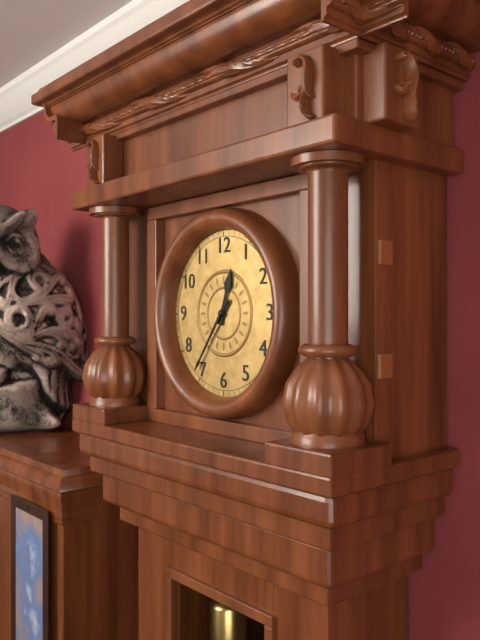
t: 12:36
